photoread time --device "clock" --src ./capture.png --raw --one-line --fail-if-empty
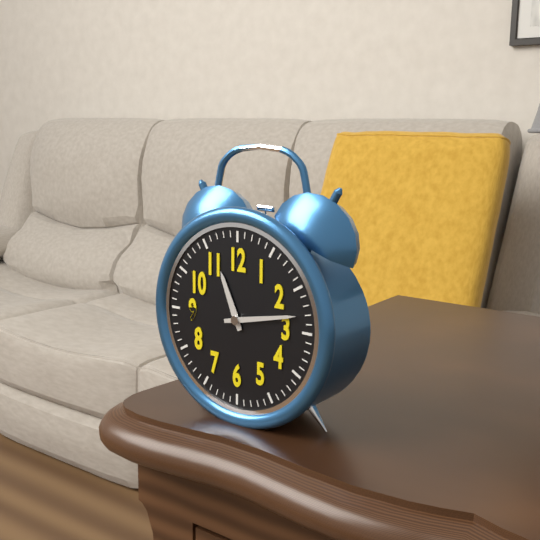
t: 11:13
